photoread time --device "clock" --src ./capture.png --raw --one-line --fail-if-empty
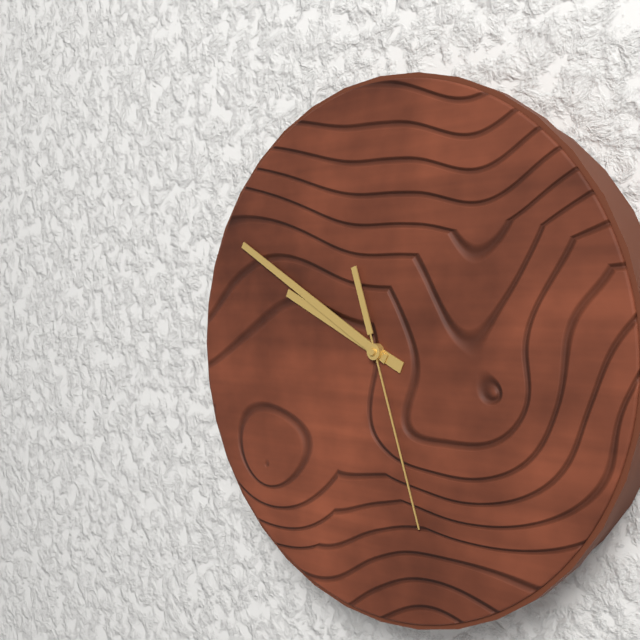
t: 9:50:27
